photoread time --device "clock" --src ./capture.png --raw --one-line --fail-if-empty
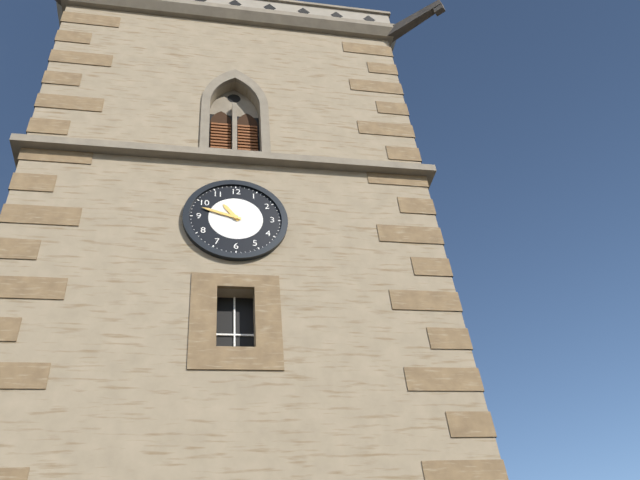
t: 10:48
